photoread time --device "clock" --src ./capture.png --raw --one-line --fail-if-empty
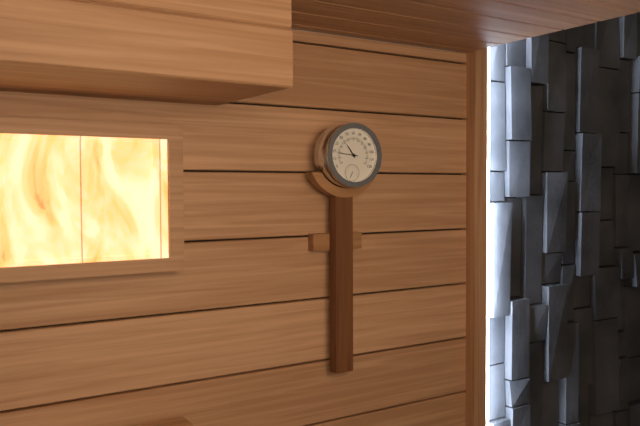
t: 10:46
